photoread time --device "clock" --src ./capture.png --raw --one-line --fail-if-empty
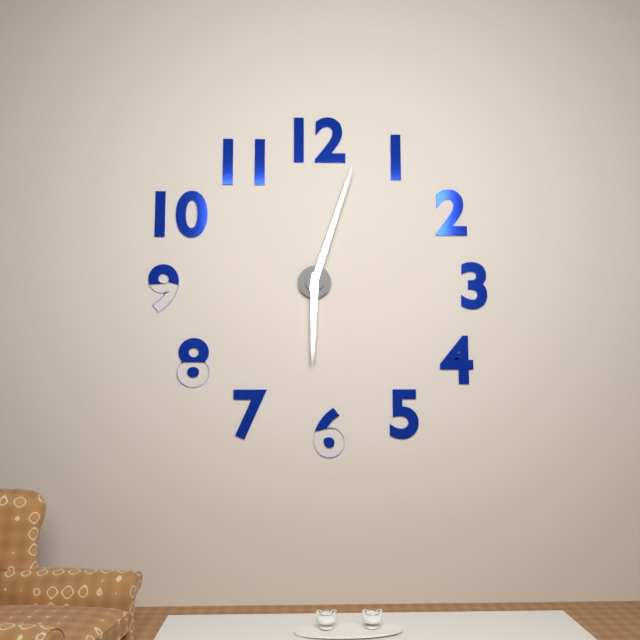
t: 6:03
